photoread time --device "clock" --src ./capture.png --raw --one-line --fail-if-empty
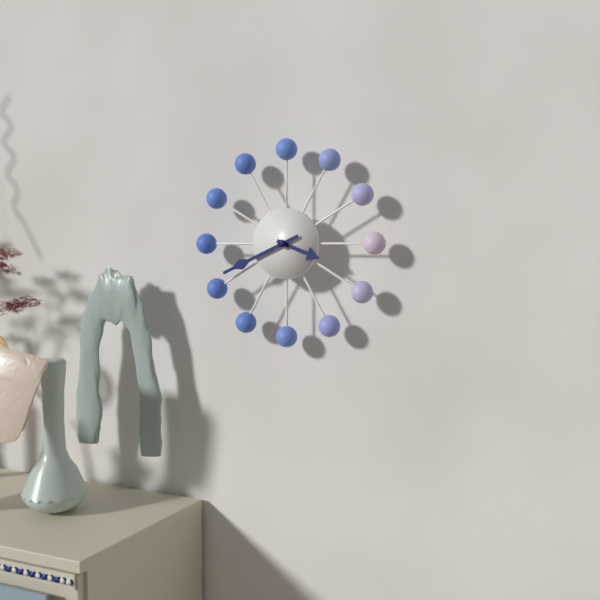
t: 3:41
